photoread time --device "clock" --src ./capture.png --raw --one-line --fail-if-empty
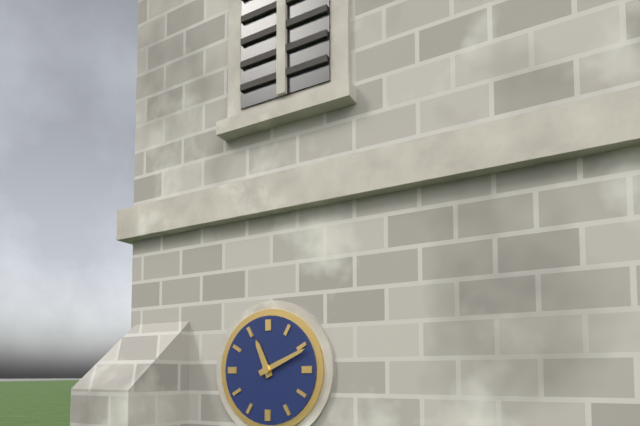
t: 11:11
